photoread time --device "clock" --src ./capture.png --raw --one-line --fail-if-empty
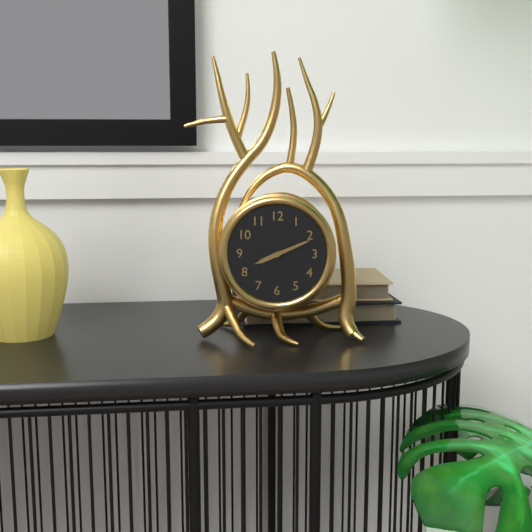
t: 8:11
